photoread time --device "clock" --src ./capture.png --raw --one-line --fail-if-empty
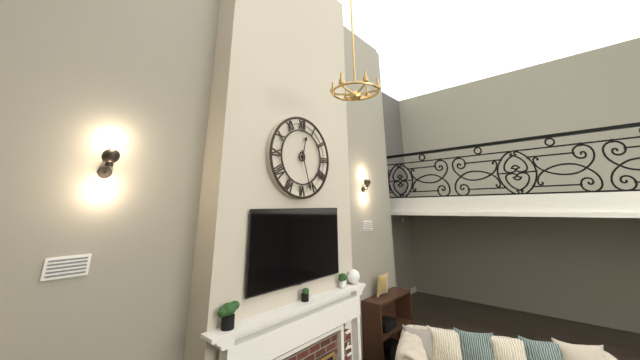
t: 12:27
